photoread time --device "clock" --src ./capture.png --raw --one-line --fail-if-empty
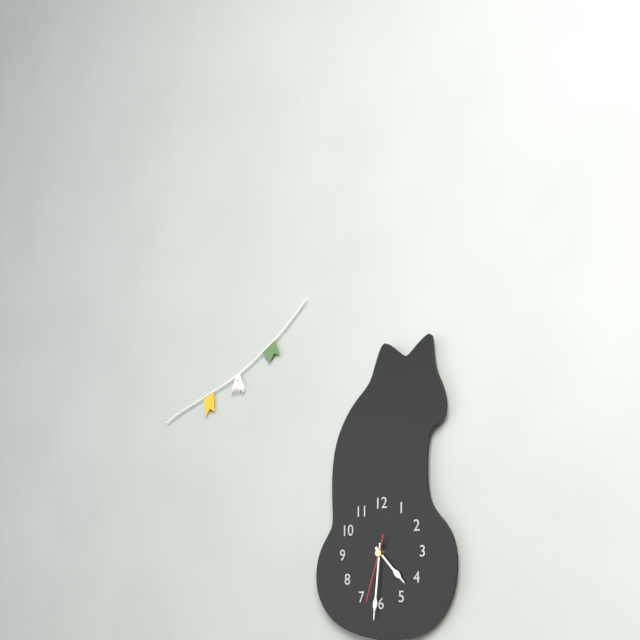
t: 4:31:33
